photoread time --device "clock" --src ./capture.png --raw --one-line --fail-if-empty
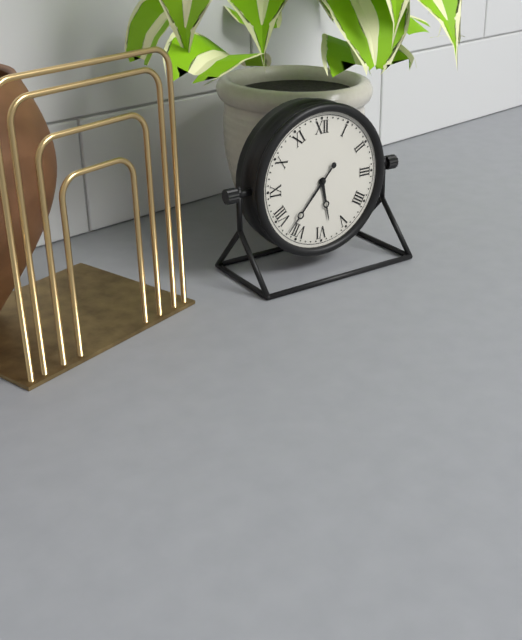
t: 5:37
